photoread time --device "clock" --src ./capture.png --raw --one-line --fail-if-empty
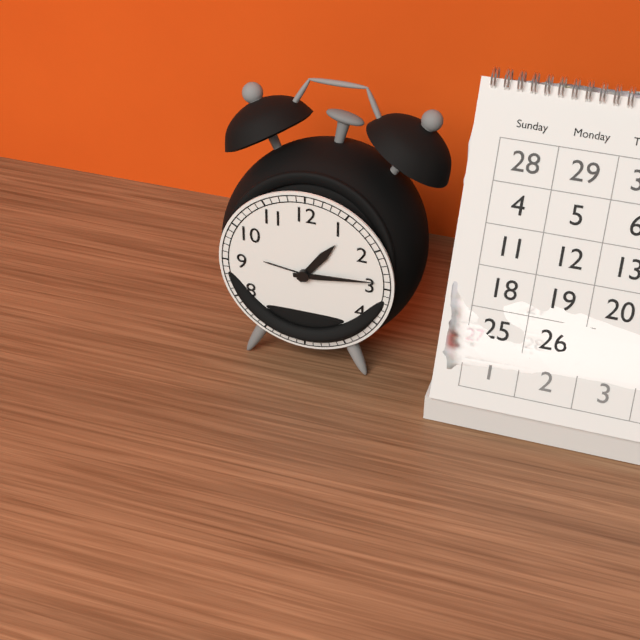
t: 1:14
